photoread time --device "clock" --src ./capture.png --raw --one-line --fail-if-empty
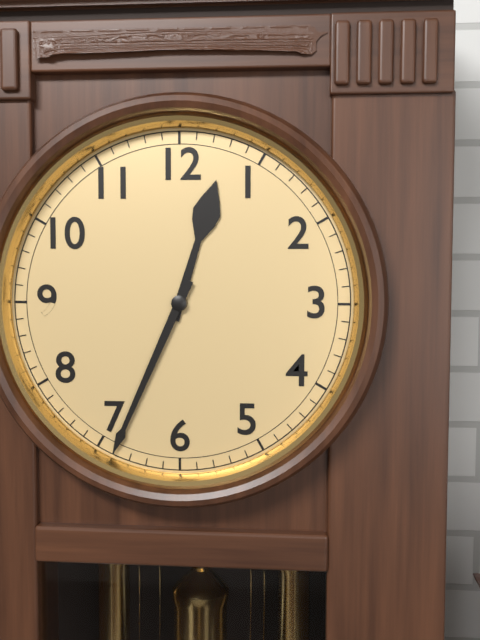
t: 12:34
